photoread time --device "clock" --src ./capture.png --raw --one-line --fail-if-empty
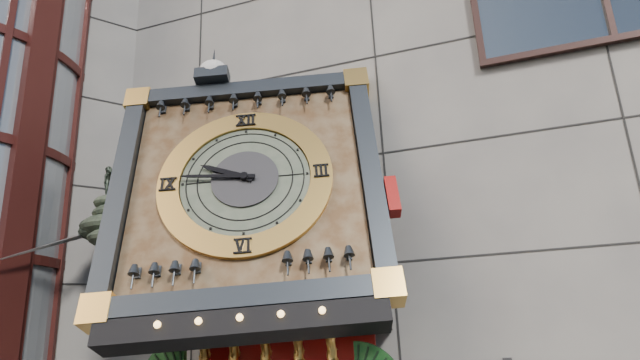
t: 9:46
